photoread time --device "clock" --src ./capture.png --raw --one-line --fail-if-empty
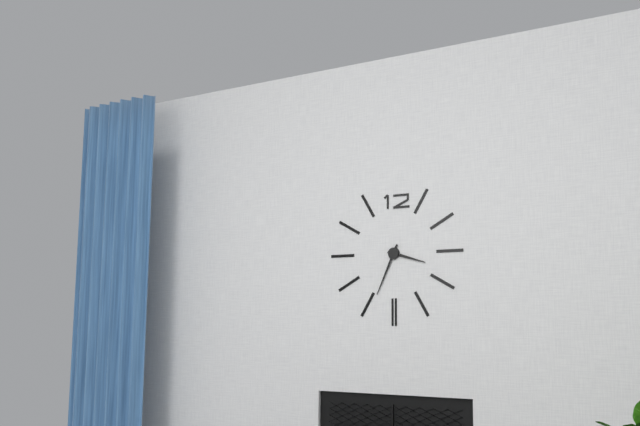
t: 3:34
